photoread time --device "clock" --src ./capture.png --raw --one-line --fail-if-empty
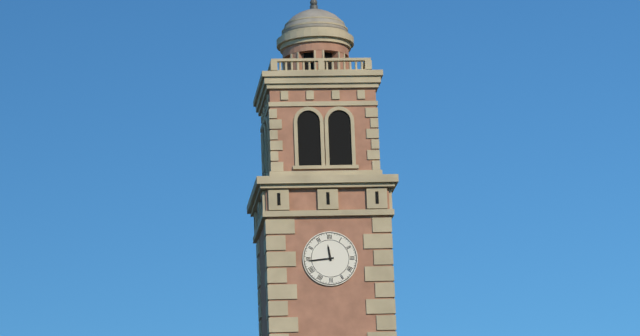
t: 11:44
